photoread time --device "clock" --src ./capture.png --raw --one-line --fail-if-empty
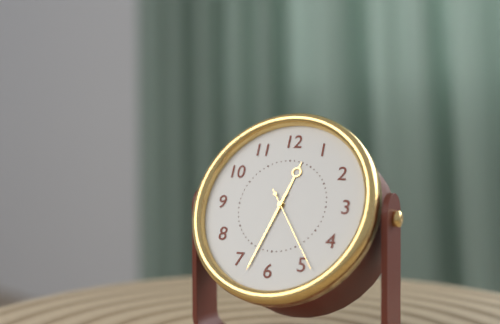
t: 12:33:24
